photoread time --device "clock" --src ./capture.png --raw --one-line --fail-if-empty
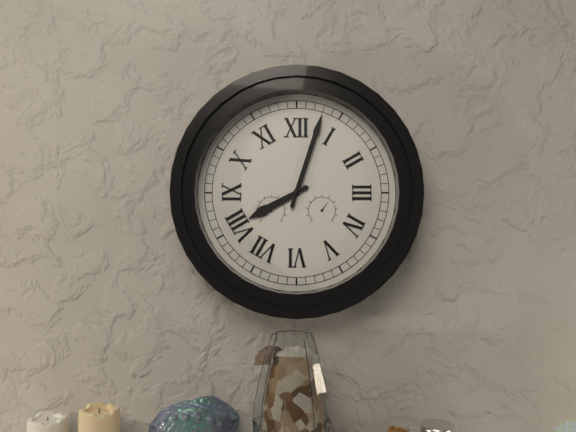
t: 8:03
